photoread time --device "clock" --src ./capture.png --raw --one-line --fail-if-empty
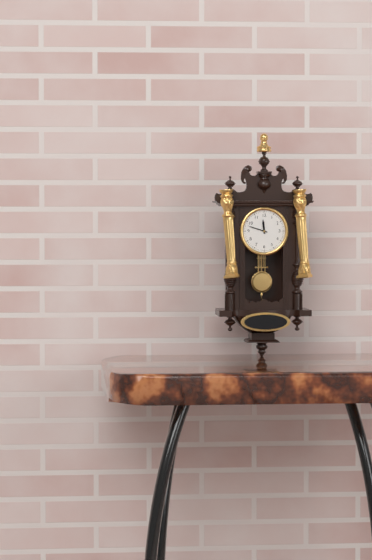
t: 11:48
